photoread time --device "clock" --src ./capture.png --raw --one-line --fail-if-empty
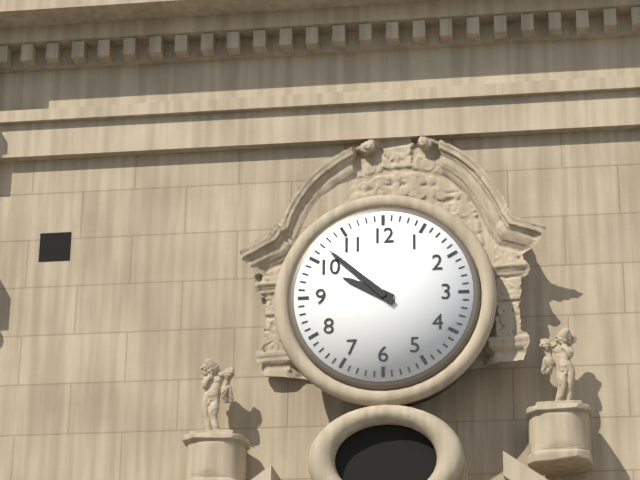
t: 9:52
